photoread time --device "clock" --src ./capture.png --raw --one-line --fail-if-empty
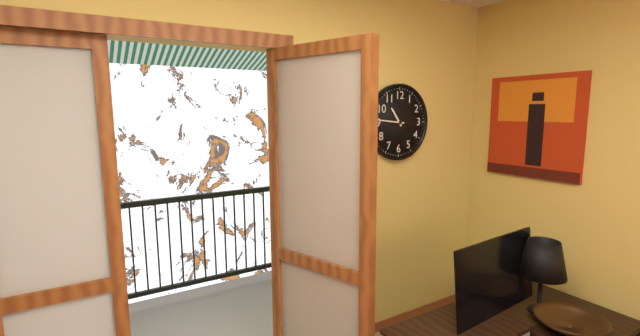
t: 10:46
